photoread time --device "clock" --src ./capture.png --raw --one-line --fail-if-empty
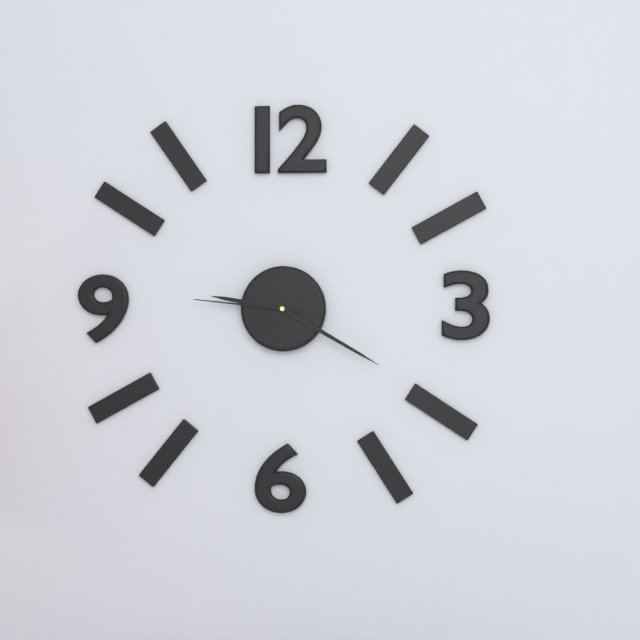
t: 9:20:46
